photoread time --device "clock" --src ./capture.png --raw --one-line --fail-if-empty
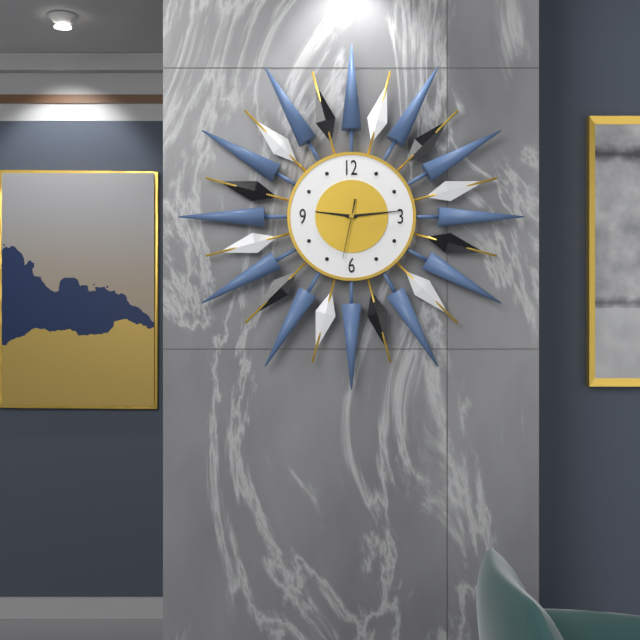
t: 9:14:32
